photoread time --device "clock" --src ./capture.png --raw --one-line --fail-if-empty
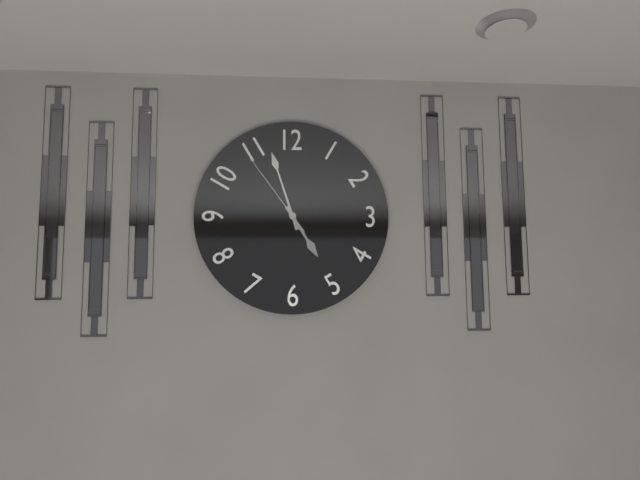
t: 4:57:54
